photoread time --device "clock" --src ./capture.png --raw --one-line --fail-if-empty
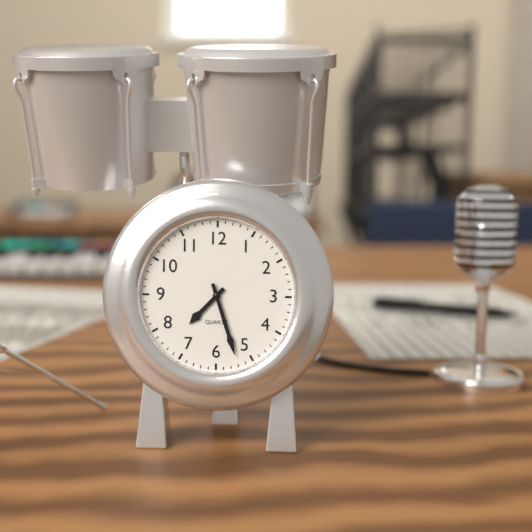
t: 7:27
